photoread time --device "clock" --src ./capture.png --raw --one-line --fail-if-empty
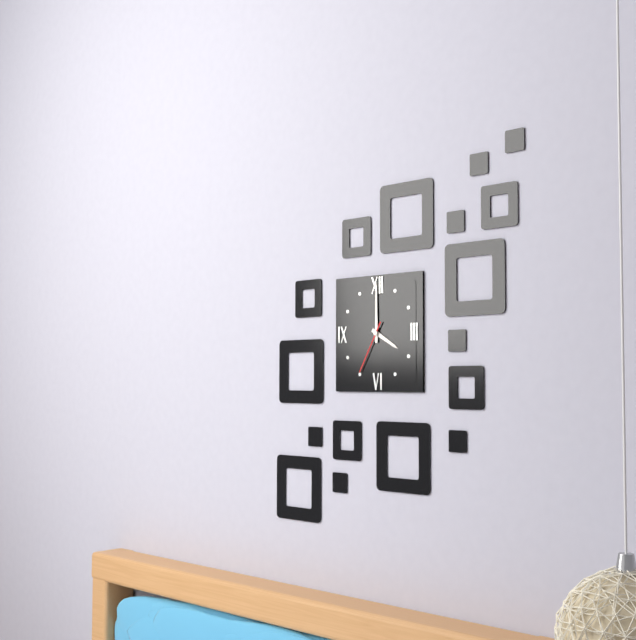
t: 4:00:35
